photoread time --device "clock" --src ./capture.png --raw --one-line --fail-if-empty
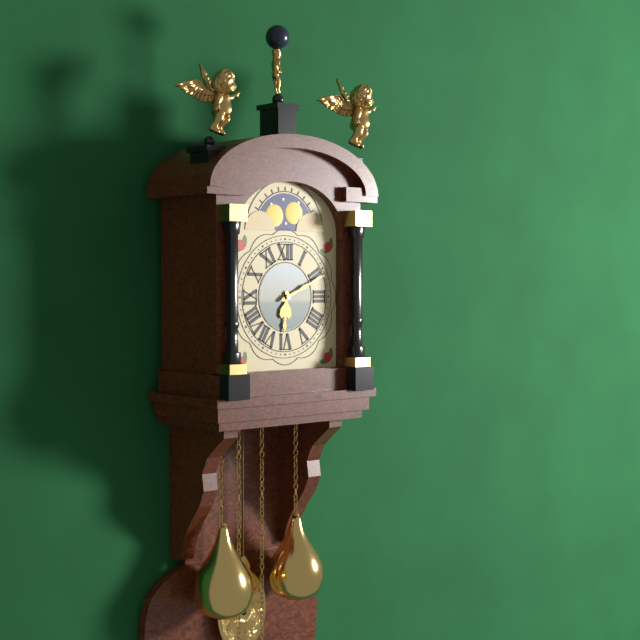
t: 6:11
